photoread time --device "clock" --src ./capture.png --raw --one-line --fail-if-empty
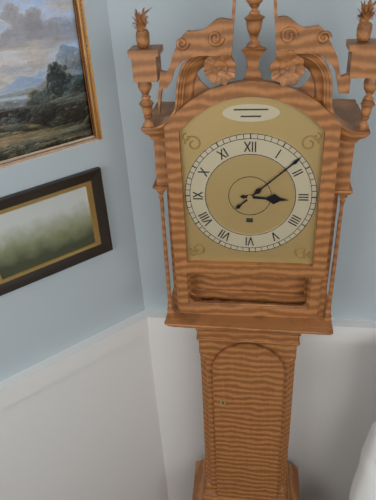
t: 3:08
